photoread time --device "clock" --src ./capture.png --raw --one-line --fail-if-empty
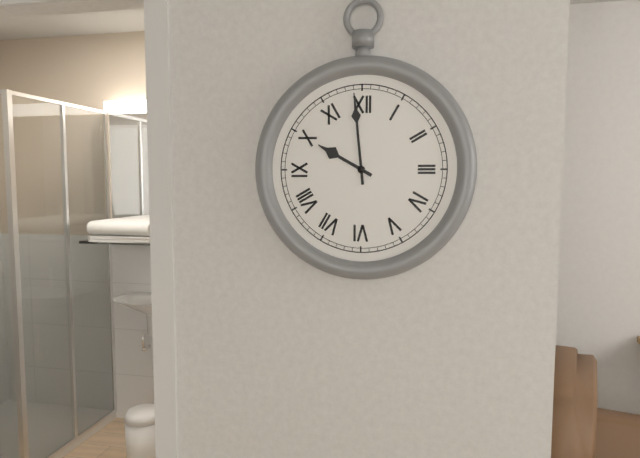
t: 9:59
